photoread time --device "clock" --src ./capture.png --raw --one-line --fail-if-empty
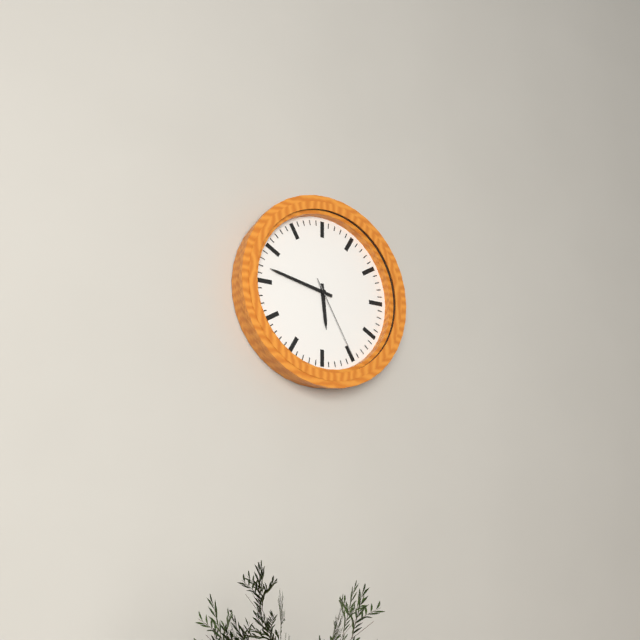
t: 5:47:25
